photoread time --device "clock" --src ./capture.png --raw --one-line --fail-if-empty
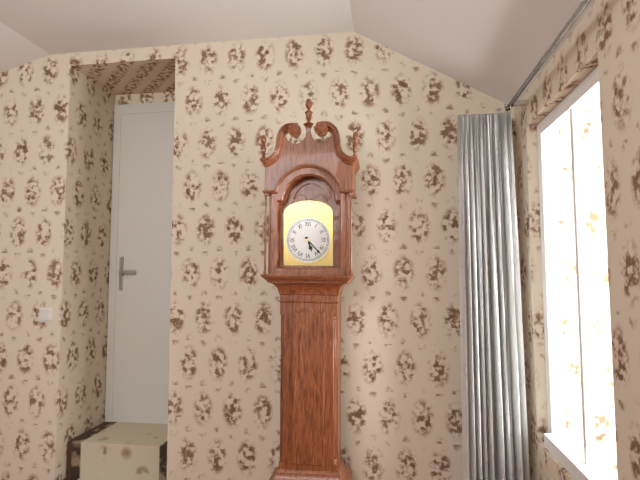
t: 5:23
